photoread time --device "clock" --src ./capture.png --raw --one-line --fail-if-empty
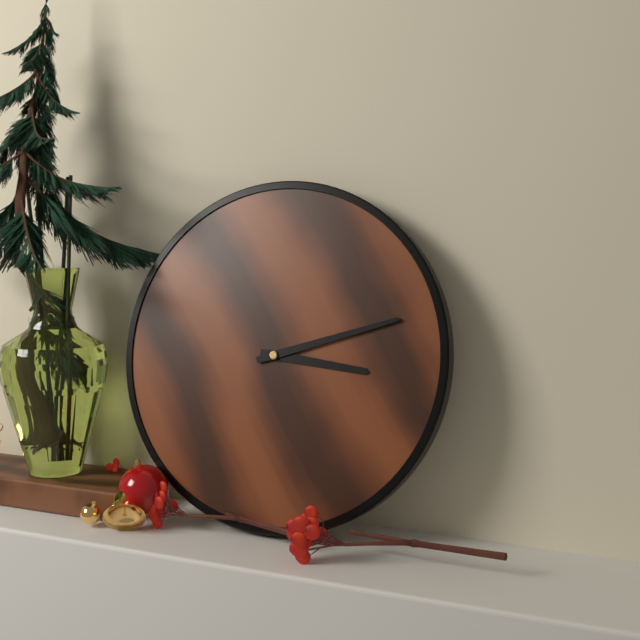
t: 3:12
